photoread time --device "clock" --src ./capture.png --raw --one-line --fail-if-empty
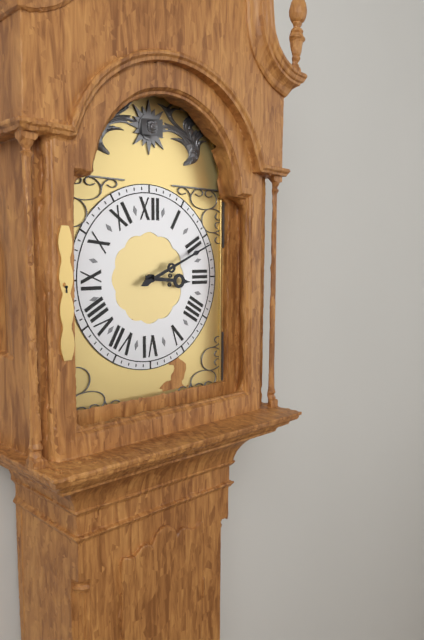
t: 3:11
